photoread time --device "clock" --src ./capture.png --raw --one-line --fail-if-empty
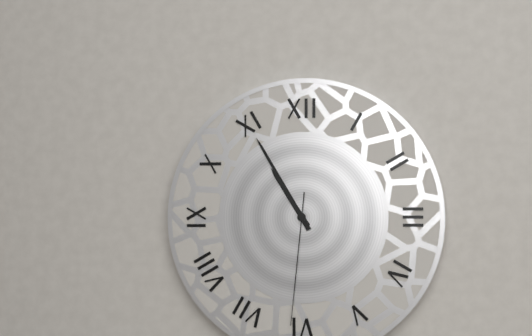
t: 10:55:31
